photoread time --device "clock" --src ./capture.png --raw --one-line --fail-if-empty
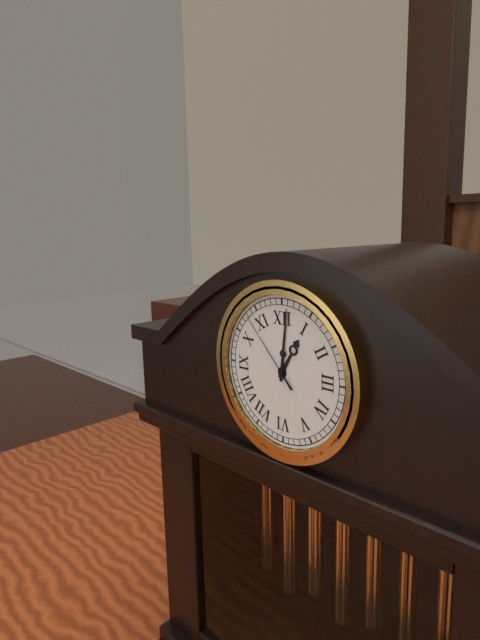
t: 1:01:53
